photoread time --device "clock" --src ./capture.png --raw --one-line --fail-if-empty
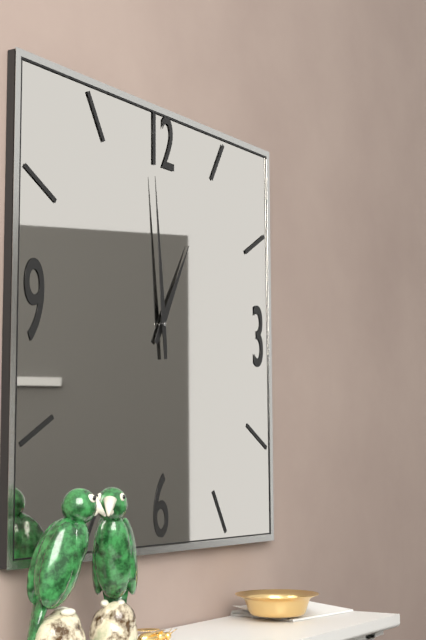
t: 12:59
